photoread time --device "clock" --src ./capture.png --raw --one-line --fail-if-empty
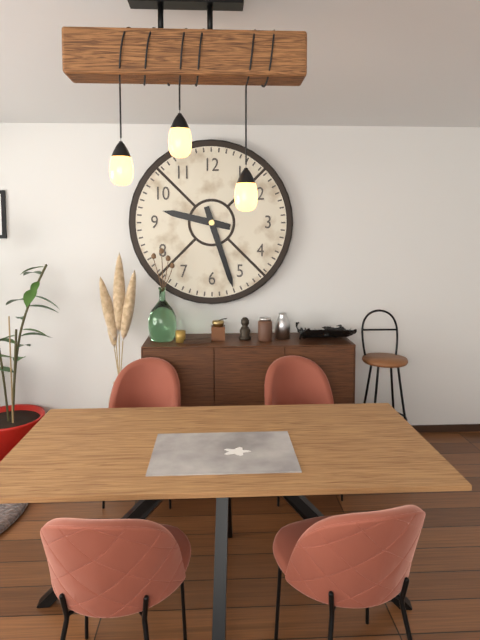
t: 9:27
